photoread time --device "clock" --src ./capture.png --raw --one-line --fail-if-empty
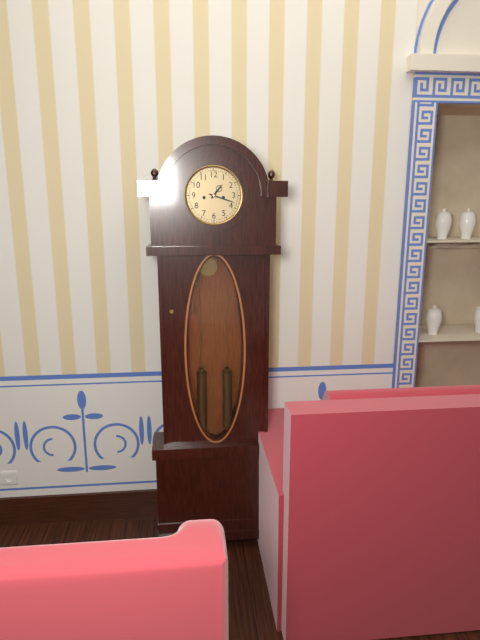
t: 1:18
